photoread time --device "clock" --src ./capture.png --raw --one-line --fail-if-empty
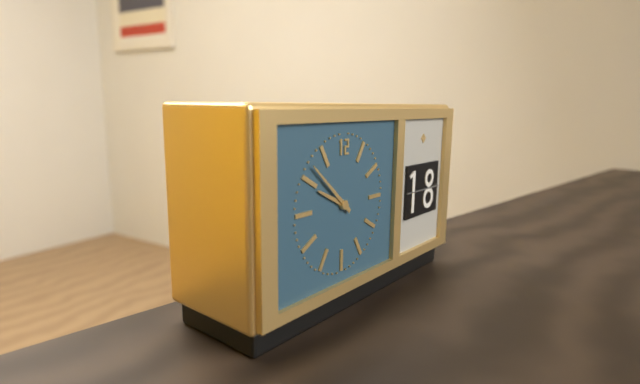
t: 9:52
